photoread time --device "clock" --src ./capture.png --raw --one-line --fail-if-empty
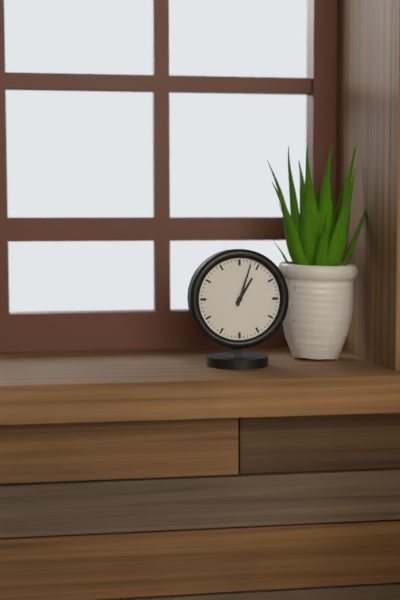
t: 1:03
